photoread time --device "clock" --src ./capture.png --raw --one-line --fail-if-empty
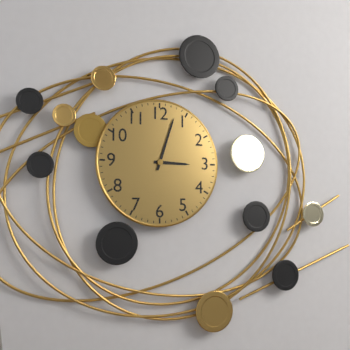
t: 3:03
